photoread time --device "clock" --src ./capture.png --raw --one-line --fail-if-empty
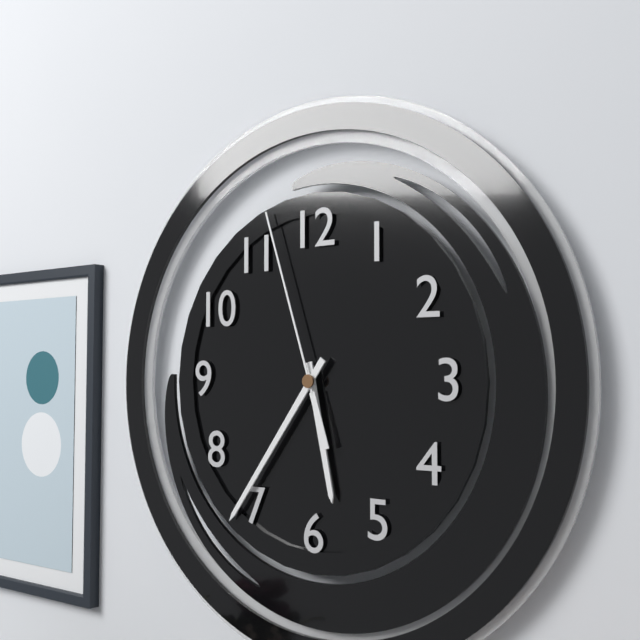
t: 5:36:57
